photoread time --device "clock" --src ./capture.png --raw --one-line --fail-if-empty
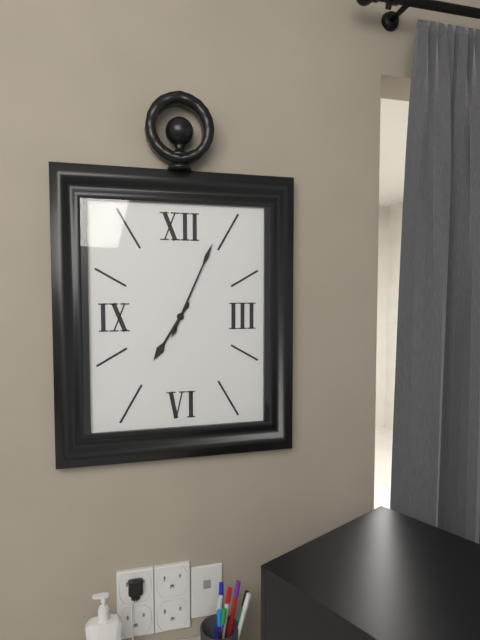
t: 7:04
